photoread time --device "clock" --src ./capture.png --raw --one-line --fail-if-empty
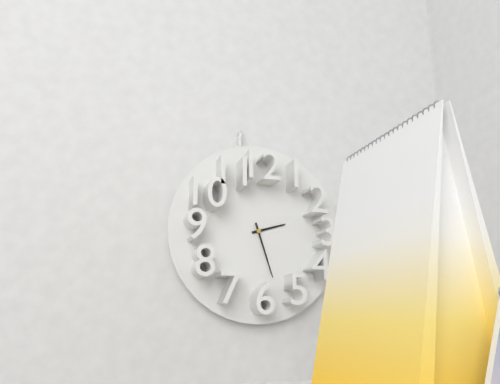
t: 2:27
